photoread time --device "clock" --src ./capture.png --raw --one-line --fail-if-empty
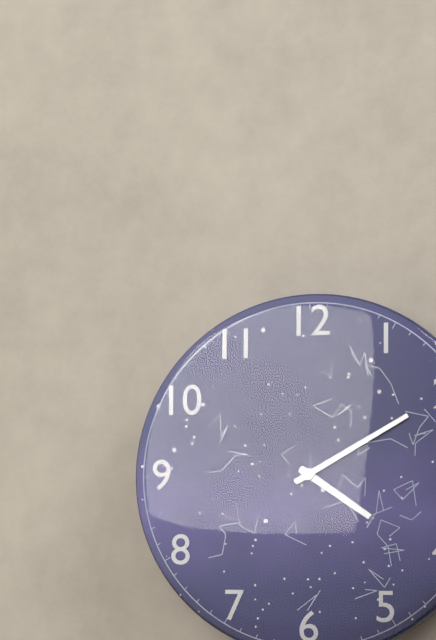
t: 4:10
